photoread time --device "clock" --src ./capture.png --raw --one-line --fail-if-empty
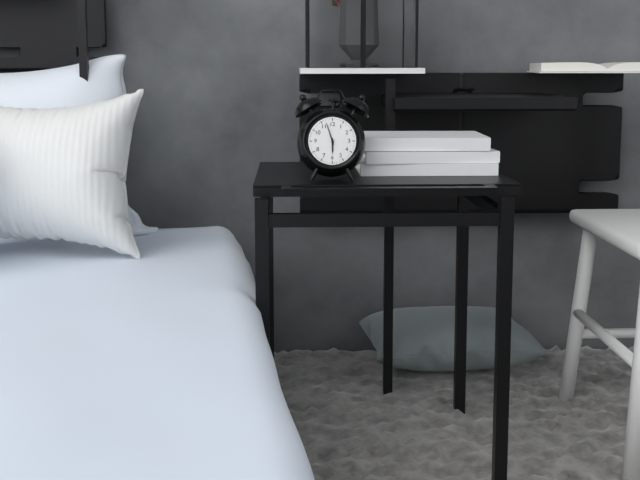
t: 5:57
